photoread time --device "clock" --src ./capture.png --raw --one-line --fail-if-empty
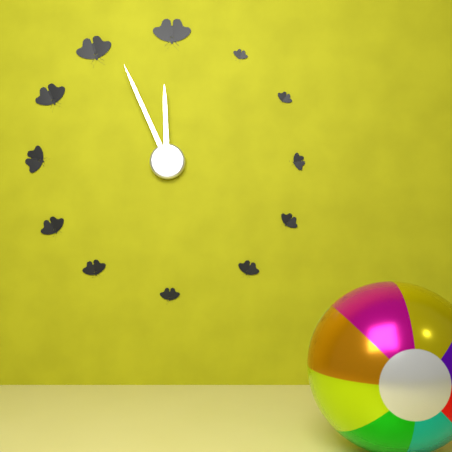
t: 11:56
